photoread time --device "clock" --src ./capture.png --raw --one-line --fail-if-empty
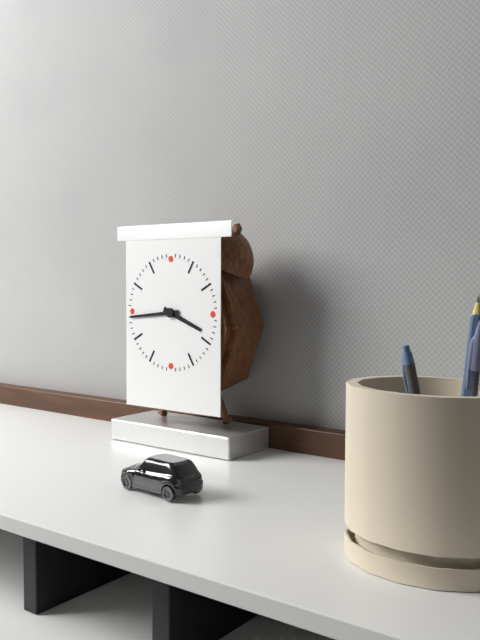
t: 3:44
